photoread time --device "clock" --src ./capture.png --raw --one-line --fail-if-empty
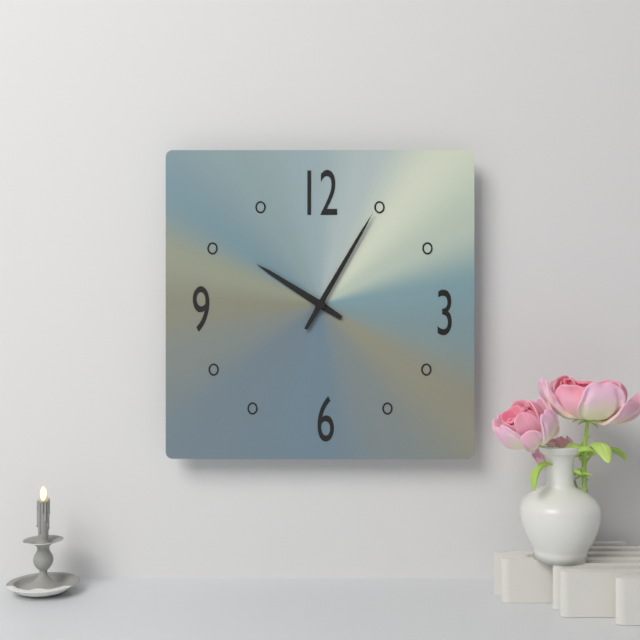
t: 10:05
